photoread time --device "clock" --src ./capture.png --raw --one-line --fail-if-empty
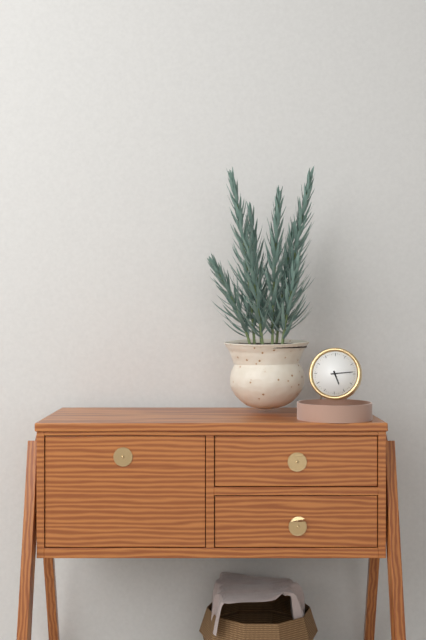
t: 5:14
